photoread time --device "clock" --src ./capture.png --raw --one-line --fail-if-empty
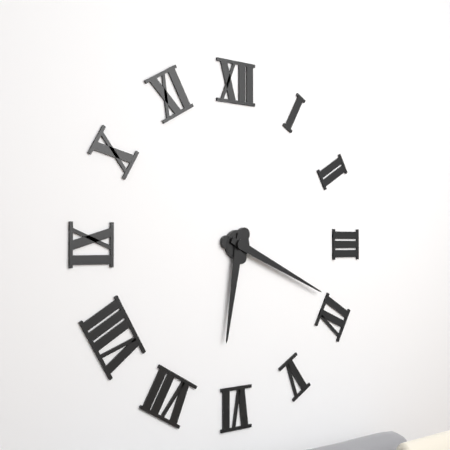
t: 6:19
